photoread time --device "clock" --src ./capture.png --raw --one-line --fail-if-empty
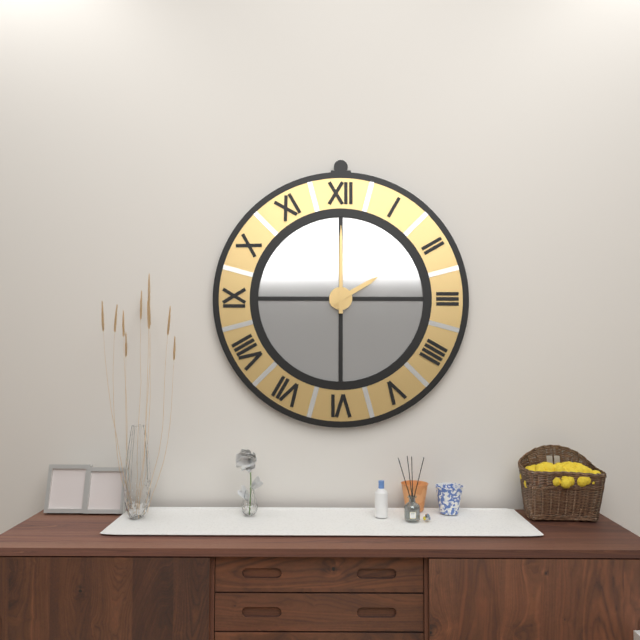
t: 2:00
